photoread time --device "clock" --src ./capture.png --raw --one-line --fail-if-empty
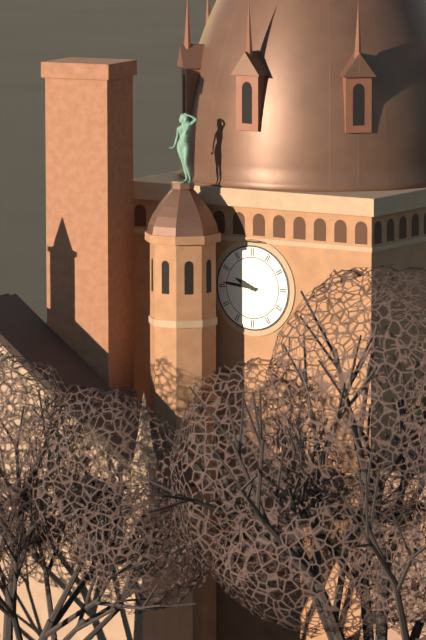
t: 9:46
